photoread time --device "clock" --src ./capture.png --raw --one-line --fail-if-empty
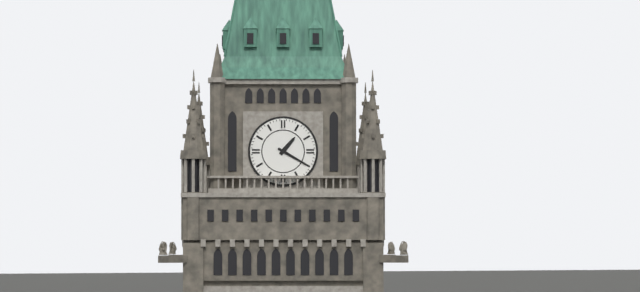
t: 1:20
